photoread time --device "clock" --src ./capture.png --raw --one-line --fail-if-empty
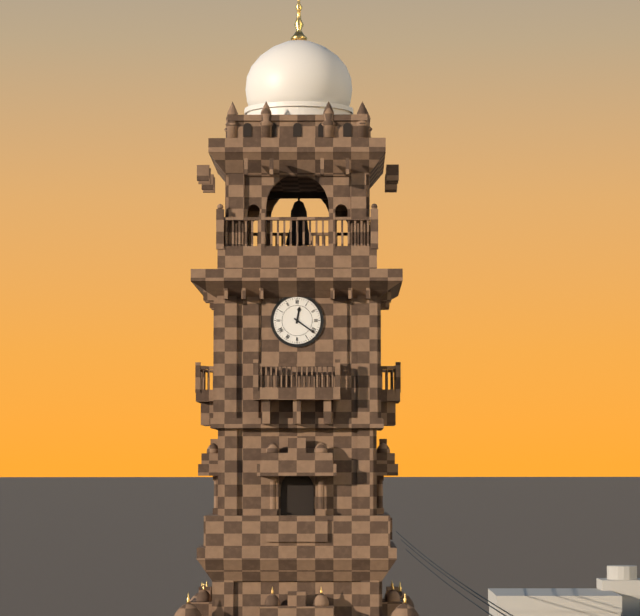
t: 12:21
